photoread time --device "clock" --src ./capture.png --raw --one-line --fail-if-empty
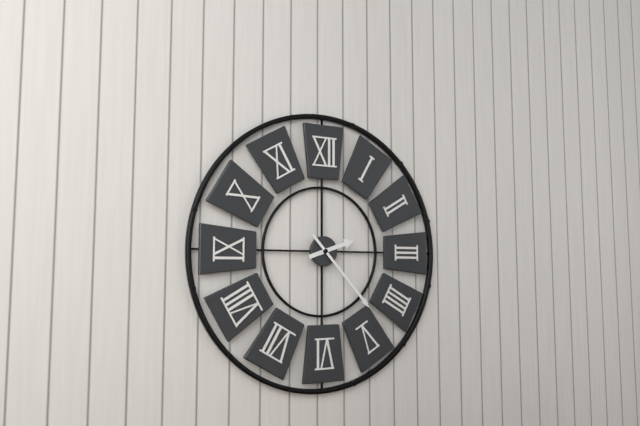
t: 2:23
